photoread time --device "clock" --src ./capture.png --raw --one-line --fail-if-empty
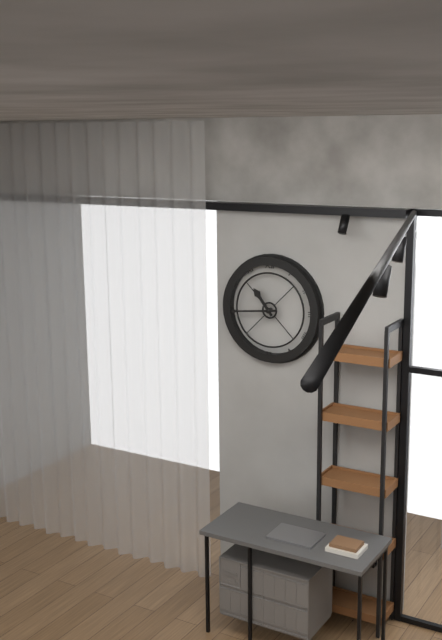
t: 10:44
